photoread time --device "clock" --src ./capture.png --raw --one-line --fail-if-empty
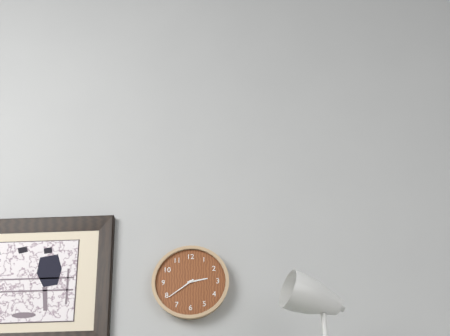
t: 2:39
